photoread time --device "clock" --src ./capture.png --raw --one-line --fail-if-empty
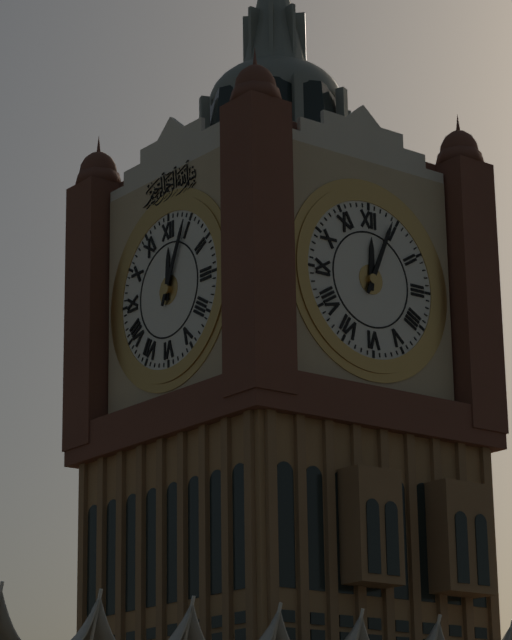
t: 12:04
